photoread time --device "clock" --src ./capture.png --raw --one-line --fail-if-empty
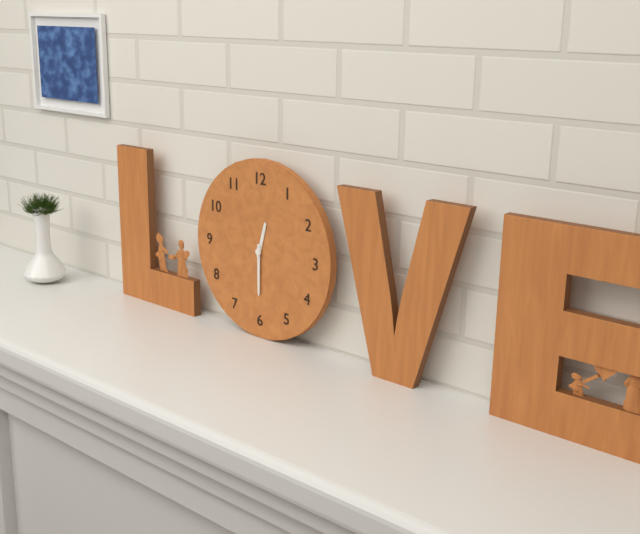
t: 12:30
